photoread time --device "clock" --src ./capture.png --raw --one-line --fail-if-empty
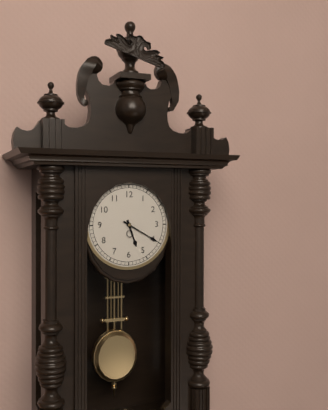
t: 5:20
